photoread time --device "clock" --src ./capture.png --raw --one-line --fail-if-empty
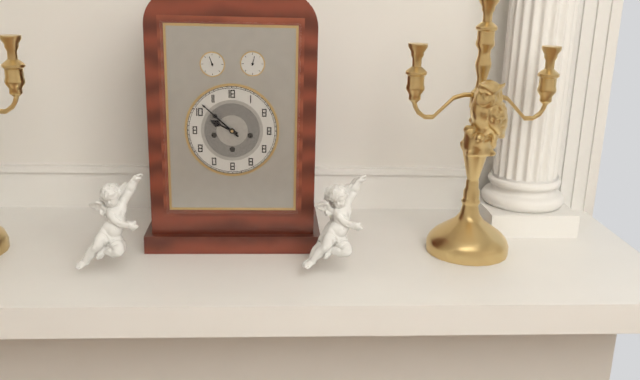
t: 9:52
